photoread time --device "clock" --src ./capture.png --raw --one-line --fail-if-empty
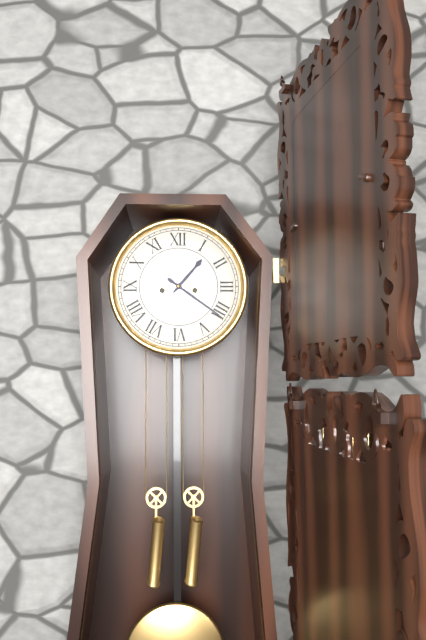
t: 1:21
